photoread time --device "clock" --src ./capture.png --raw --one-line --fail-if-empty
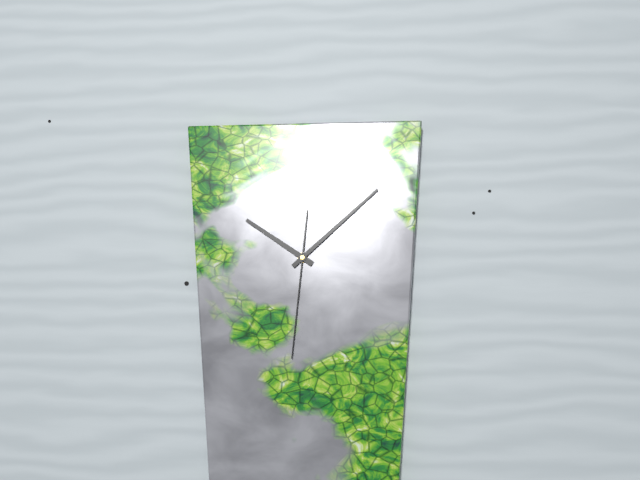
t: 10:08:31
